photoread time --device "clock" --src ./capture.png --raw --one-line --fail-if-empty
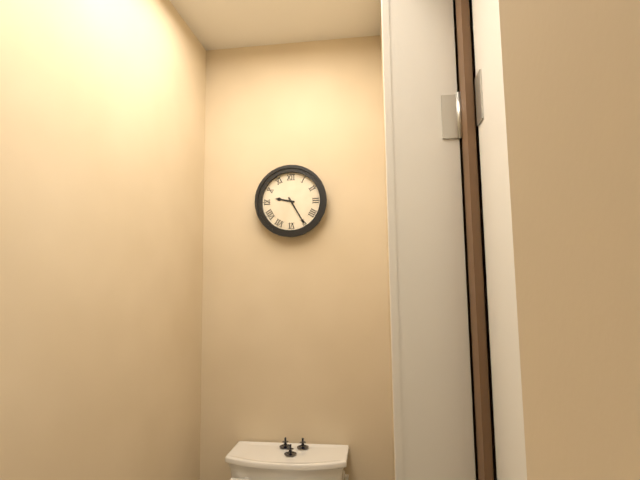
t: 9:25
